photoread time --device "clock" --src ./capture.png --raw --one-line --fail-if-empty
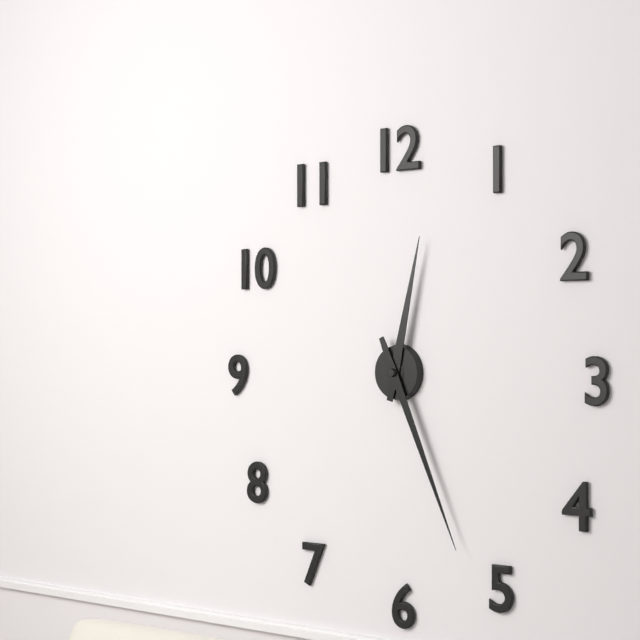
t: 12:26
